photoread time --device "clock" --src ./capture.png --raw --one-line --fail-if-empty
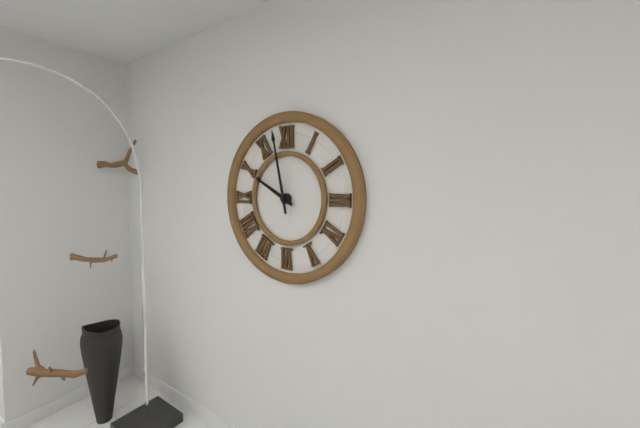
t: 9:58
